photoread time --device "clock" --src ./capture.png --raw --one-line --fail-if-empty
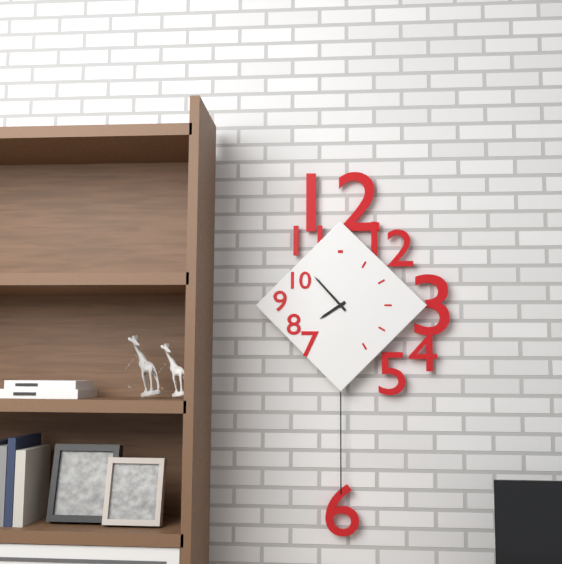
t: 7:53
